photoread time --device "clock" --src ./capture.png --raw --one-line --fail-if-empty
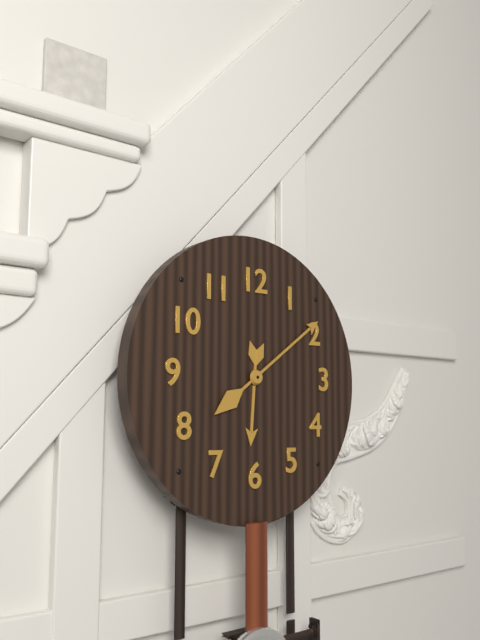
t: 6:09
